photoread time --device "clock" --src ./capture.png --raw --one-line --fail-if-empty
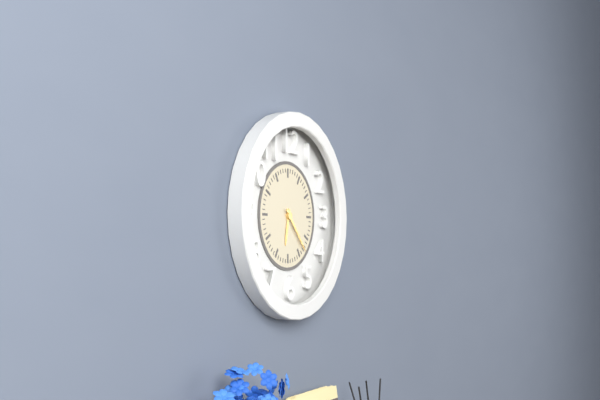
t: 6:23
